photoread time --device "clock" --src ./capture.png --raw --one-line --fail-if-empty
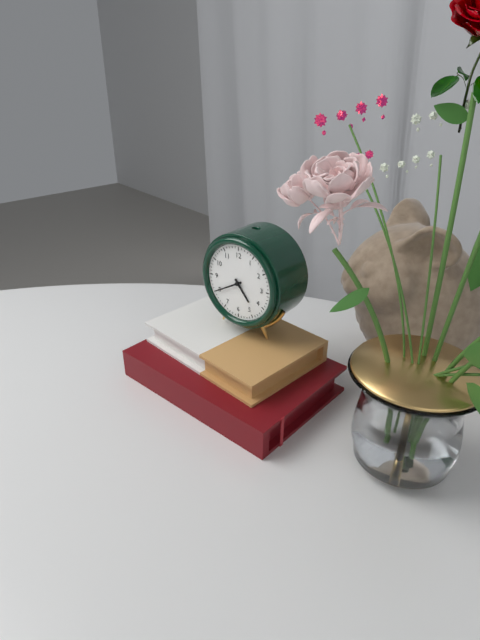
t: 4:40
